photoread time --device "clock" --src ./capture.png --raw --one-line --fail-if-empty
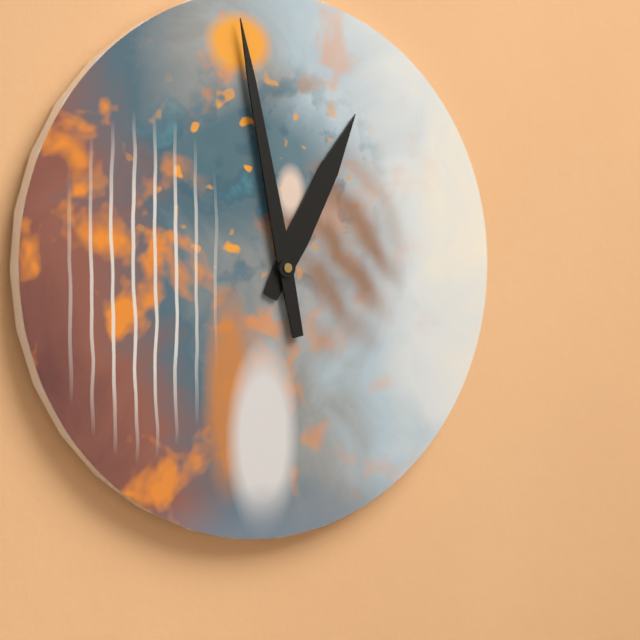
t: 12:58
